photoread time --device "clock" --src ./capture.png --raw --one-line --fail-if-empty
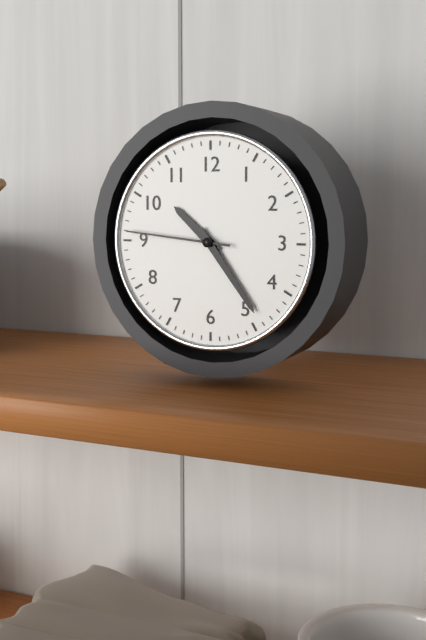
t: 10:24:46
